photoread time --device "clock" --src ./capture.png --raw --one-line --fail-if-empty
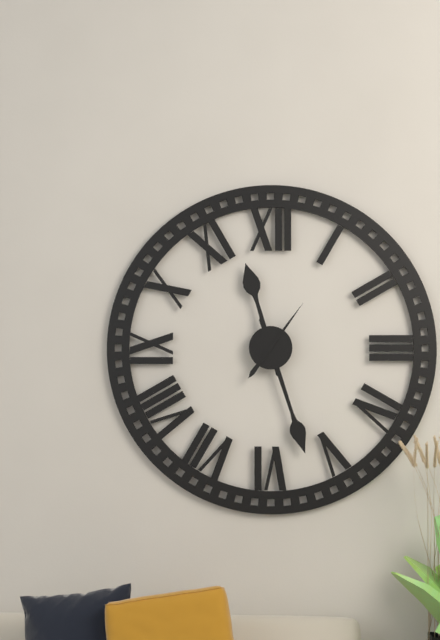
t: 11:27:06
